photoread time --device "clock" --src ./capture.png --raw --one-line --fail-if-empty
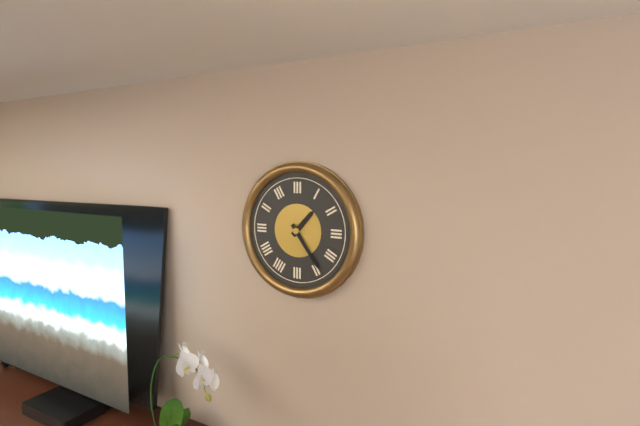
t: 1:24
